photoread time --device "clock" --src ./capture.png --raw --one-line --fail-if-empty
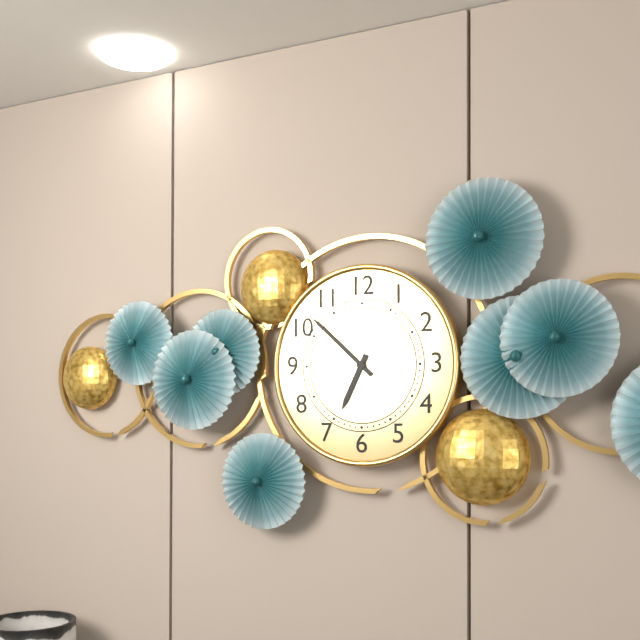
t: 6:52
